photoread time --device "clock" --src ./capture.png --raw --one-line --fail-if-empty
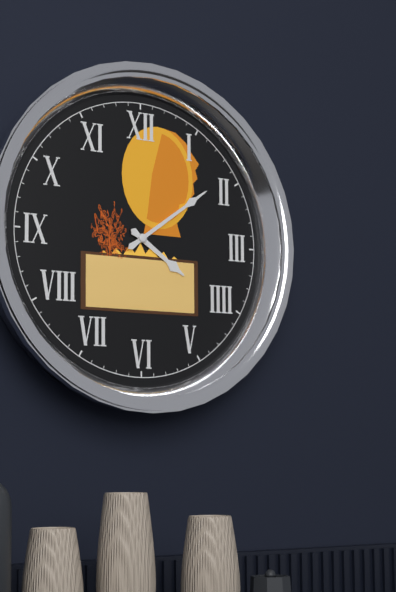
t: 4:09
